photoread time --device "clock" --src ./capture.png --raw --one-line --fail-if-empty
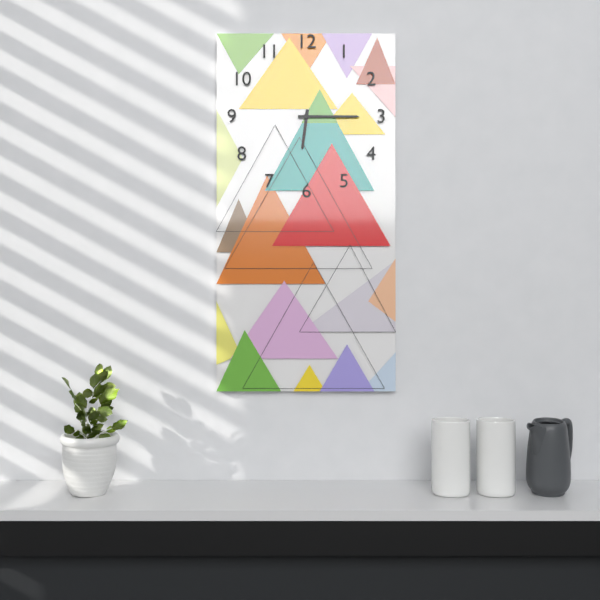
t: 6:15
